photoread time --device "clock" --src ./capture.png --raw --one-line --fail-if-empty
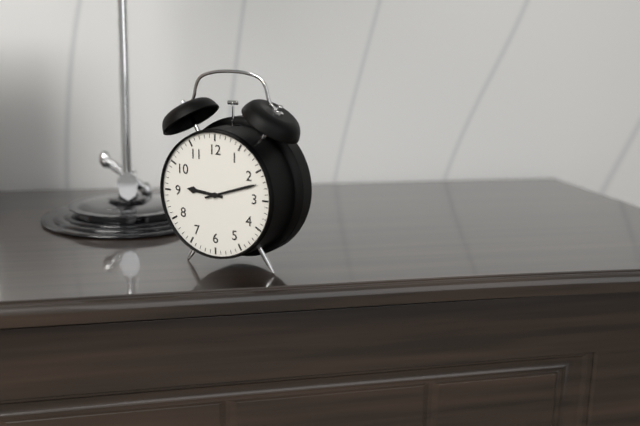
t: 9:12
